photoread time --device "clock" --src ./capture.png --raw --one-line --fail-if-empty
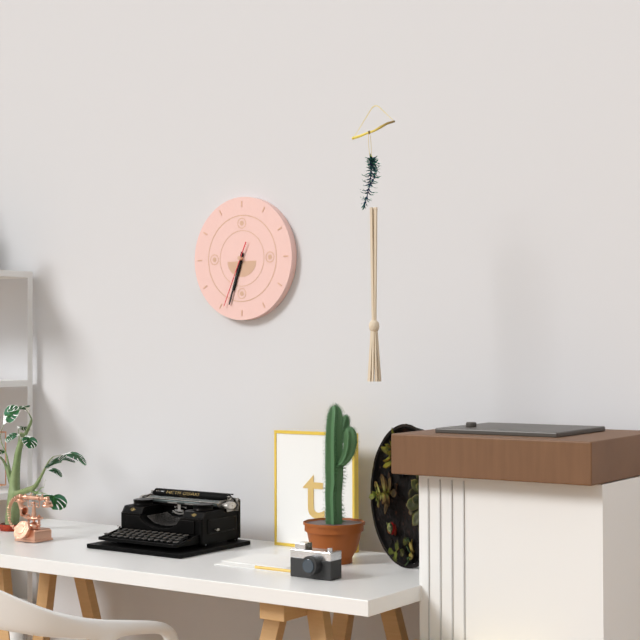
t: 6:33:34
